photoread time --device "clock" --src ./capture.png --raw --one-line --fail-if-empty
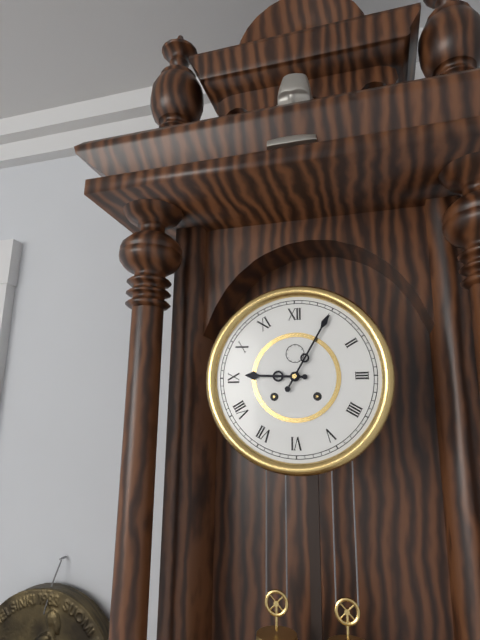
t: 9:05
